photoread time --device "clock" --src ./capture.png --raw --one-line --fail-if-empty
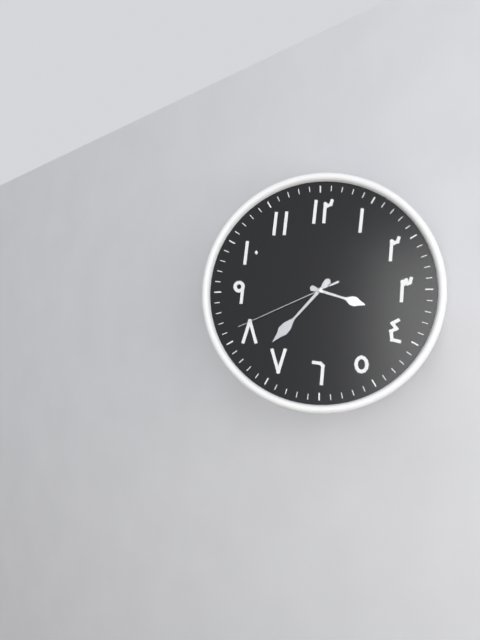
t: 3:37:41
